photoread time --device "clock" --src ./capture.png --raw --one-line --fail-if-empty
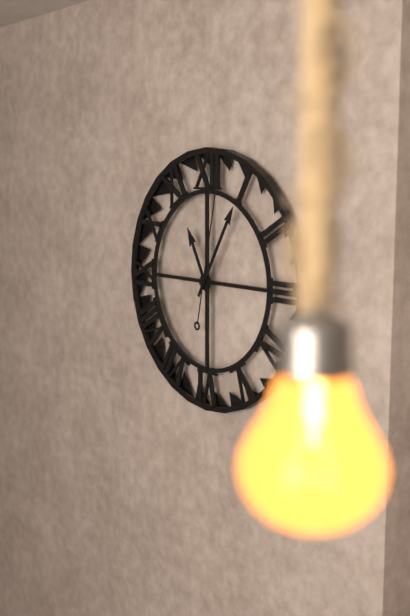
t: 11:05:02
